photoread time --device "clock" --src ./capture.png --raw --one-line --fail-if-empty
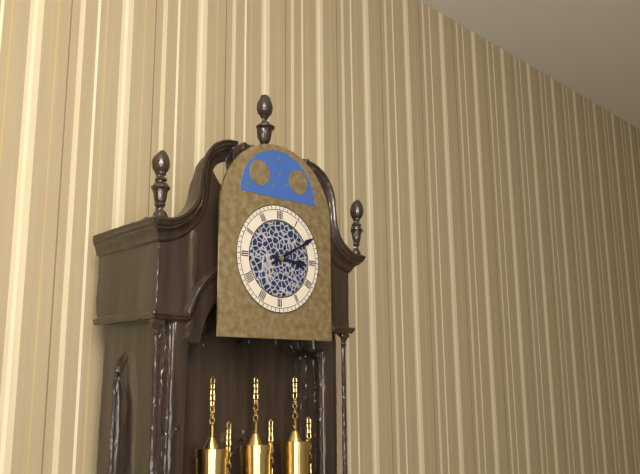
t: 3:10
